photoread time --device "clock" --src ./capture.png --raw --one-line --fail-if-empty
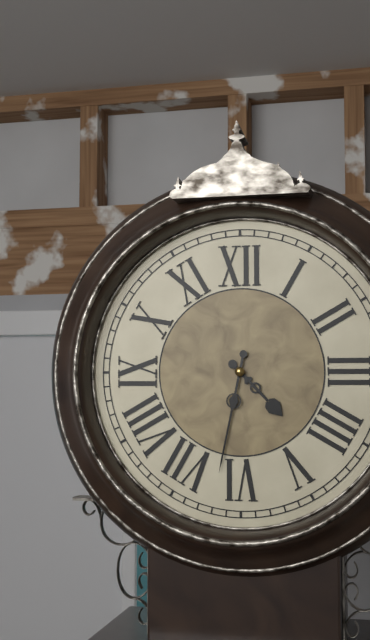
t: 4:32
